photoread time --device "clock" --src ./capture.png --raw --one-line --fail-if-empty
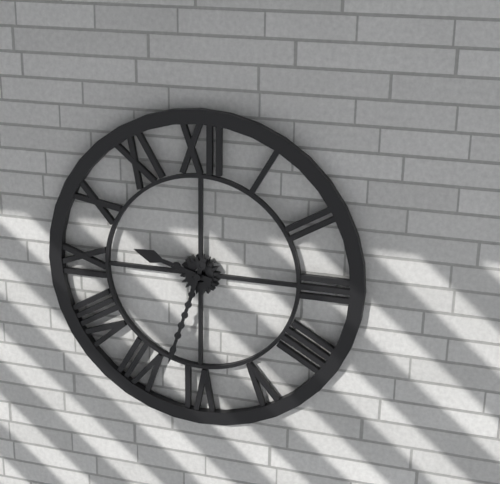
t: 9:33
